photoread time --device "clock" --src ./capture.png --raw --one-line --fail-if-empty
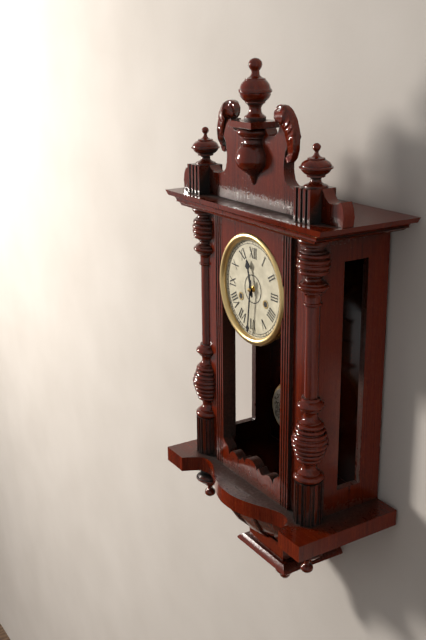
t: 11:31
